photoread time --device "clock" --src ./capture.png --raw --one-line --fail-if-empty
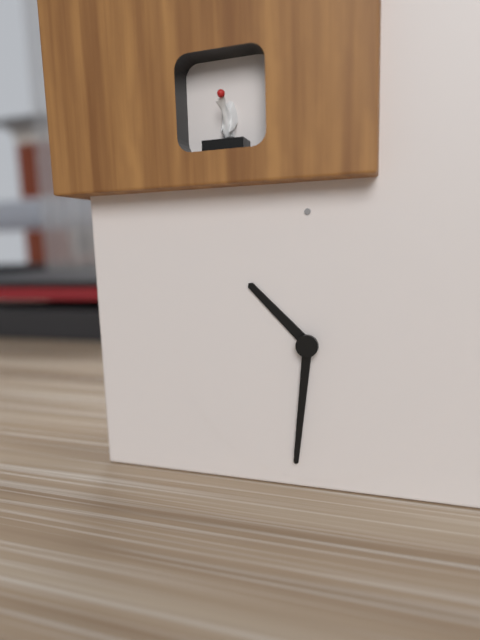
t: 10:31
